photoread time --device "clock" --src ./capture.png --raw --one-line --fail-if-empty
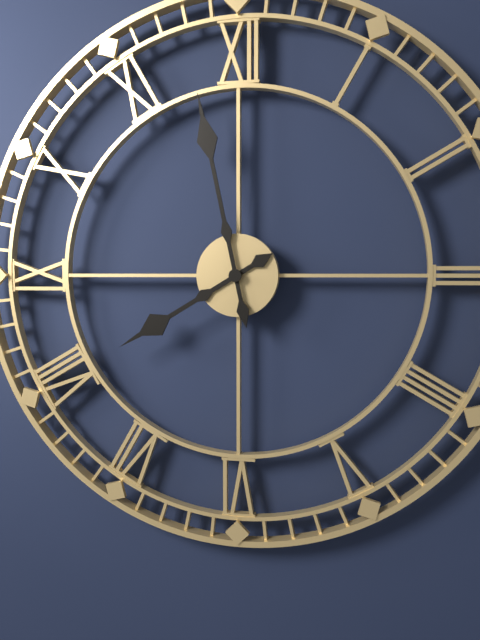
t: 7:58
